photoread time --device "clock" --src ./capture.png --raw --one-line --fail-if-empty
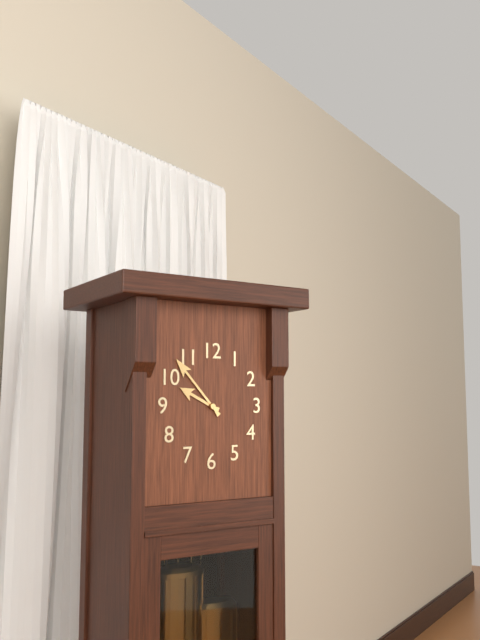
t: 9:53
